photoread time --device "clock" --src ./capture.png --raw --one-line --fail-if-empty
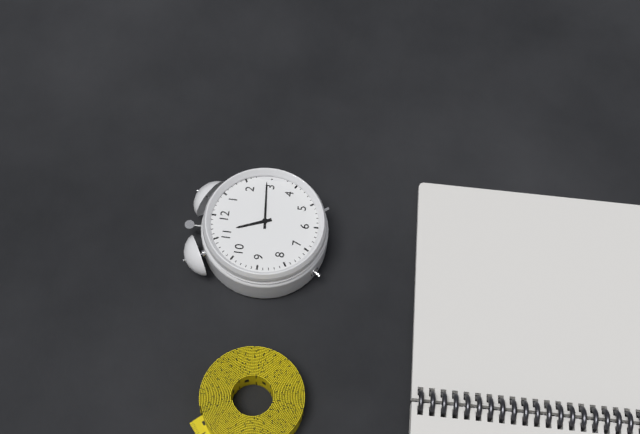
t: 11:14
